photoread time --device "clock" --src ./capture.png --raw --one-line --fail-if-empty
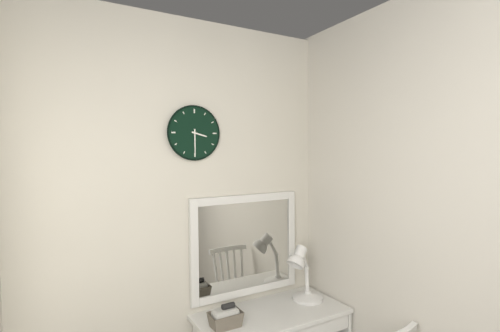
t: 3:30
